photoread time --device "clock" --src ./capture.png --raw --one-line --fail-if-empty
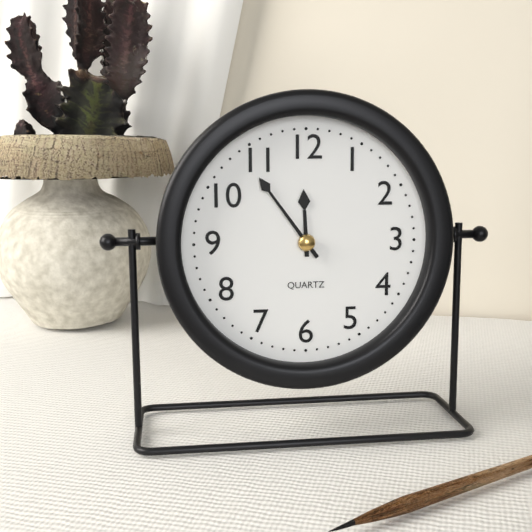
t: 11:54
